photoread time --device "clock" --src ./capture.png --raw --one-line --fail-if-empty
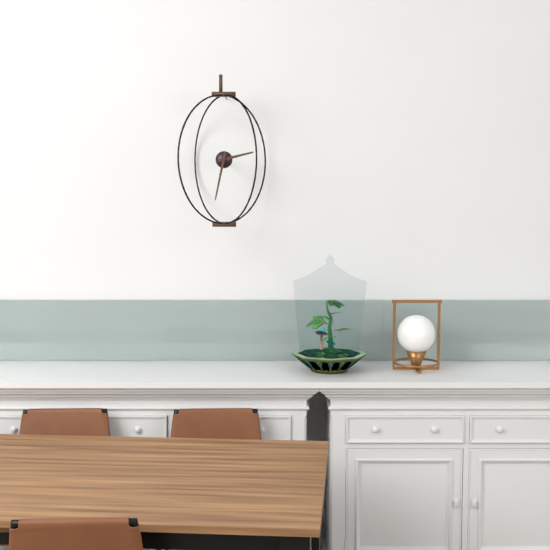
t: 2:32
